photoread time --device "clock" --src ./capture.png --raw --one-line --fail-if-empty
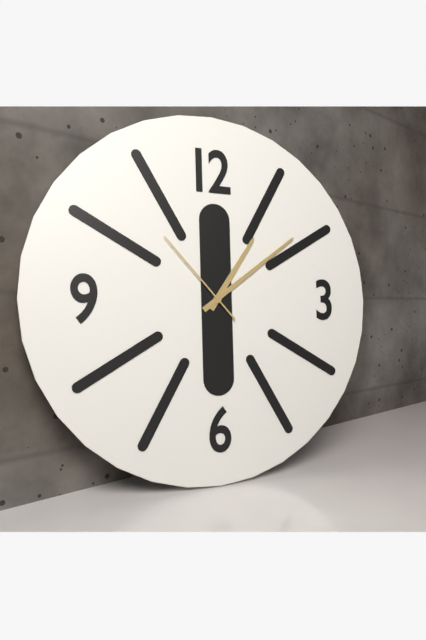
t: 1:09:53
